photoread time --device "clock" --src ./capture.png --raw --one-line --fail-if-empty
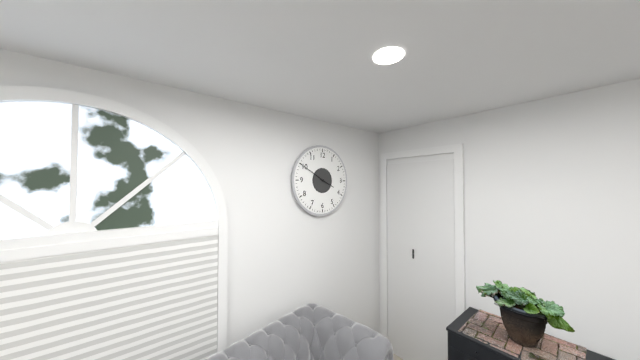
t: 3:50
